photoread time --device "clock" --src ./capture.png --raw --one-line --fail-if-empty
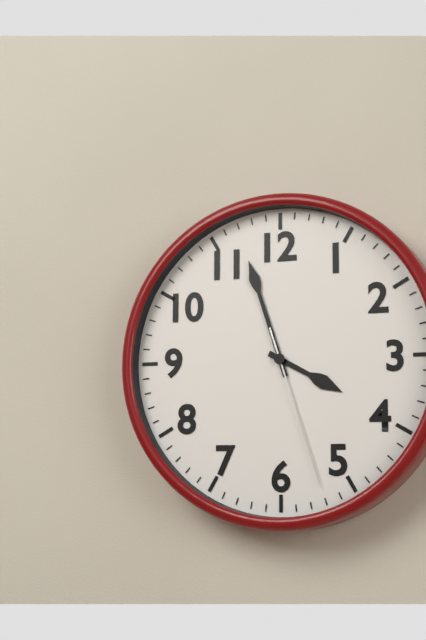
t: 3:57:27
